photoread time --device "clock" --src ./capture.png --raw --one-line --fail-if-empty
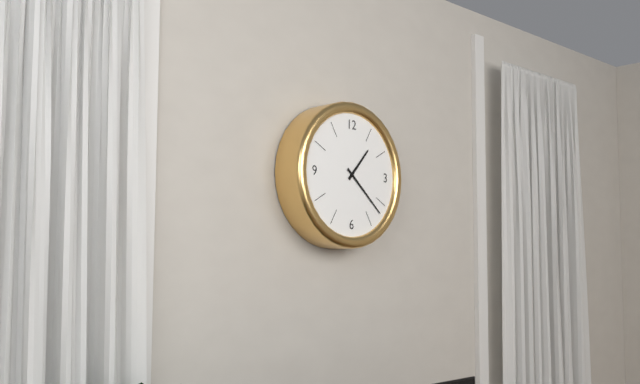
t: 1:22
